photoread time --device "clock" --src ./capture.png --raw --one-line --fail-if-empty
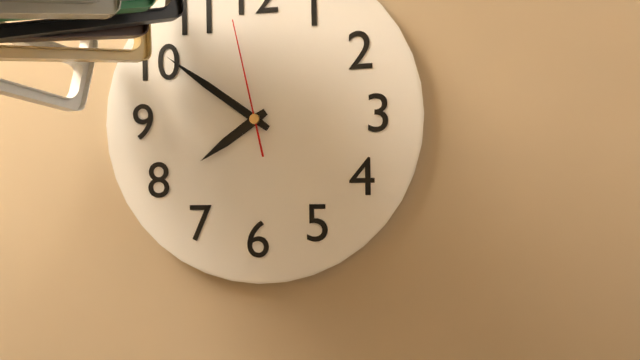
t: 7:51:58
